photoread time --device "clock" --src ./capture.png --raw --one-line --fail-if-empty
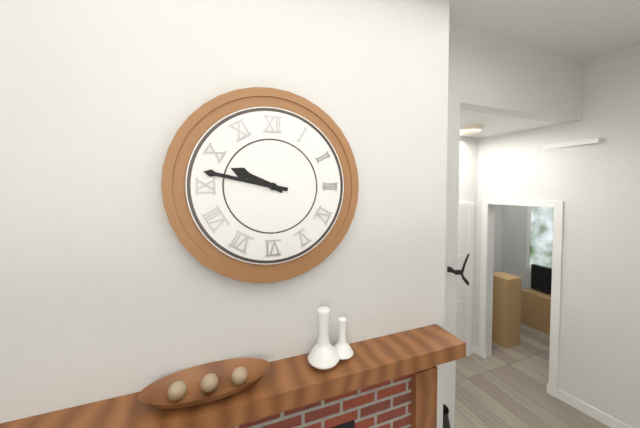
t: 9:47
